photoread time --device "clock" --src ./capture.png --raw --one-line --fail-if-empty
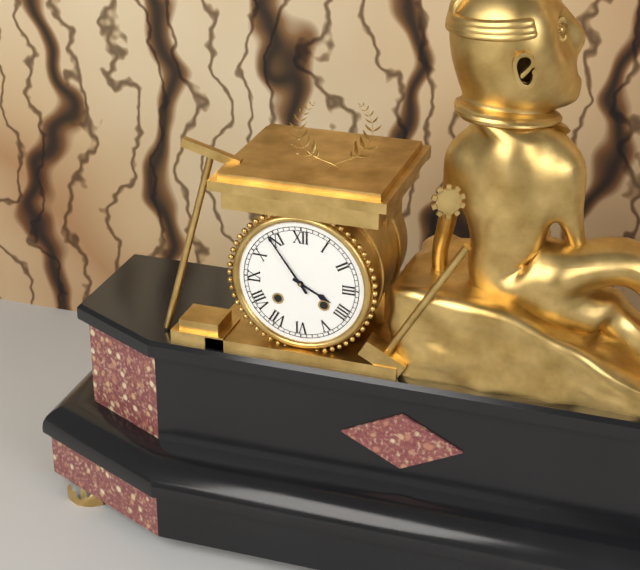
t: 3:54
